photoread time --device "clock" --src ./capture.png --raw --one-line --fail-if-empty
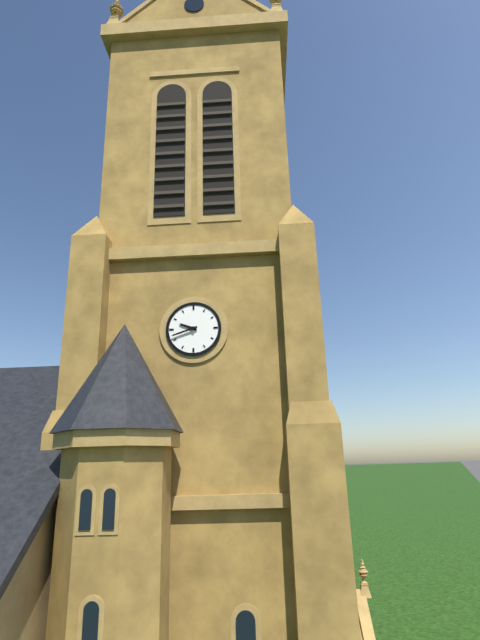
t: 9:42
